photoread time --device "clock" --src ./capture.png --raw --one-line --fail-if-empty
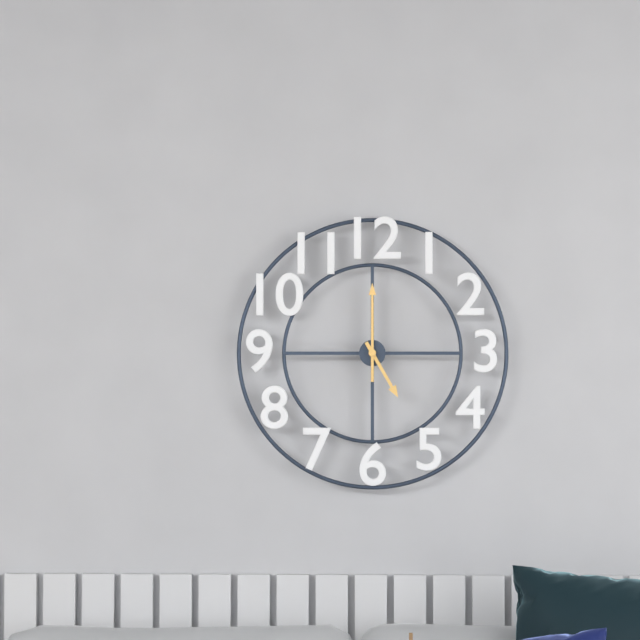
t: 5:00
